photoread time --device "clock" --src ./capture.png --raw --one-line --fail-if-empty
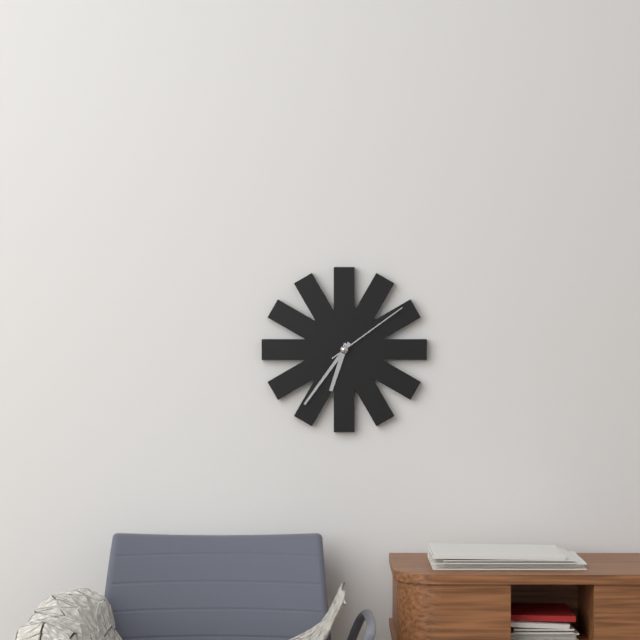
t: 6:36:09
